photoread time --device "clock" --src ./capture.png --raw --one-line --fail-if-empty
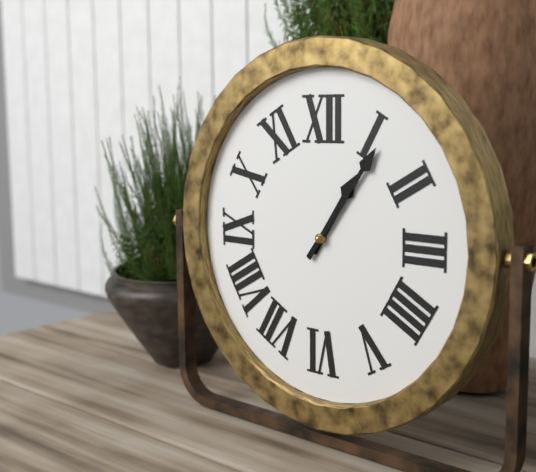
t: 1:06
